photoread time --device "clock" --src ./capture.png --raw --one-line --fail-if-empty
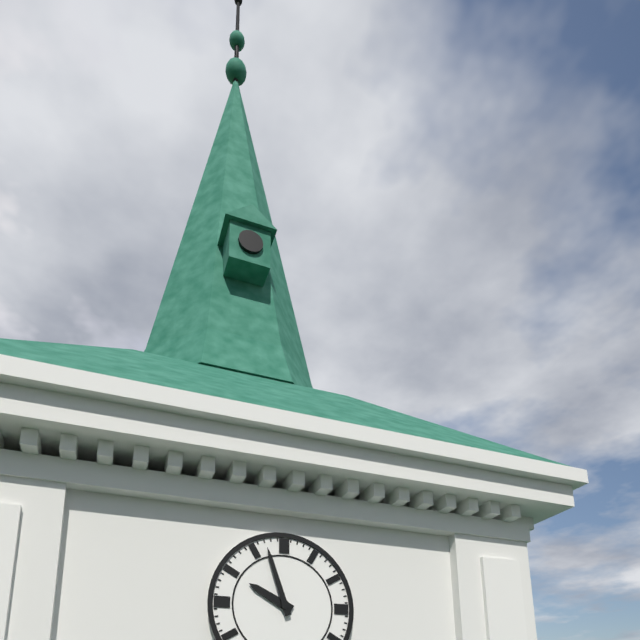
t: 9:57
